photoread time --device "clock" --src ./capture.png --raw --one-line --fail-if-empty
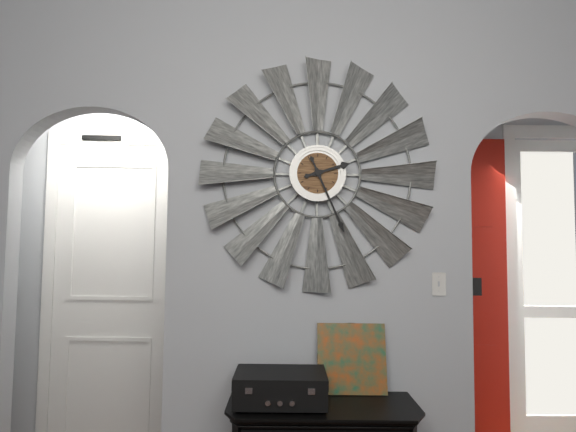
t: 2:26
